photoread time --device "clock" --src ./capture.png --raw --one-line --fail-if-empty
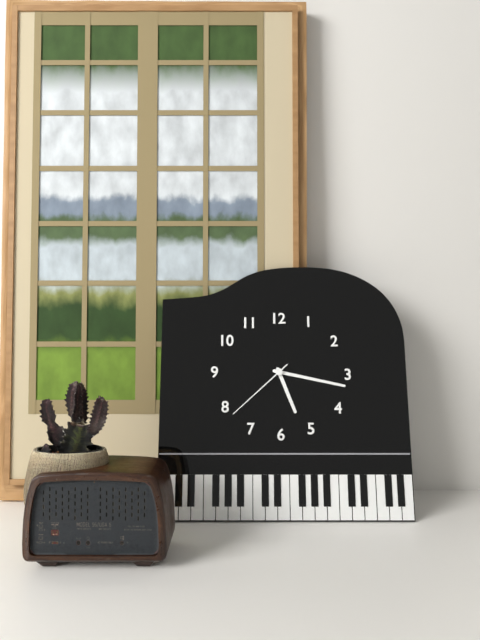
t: 5:17:38
